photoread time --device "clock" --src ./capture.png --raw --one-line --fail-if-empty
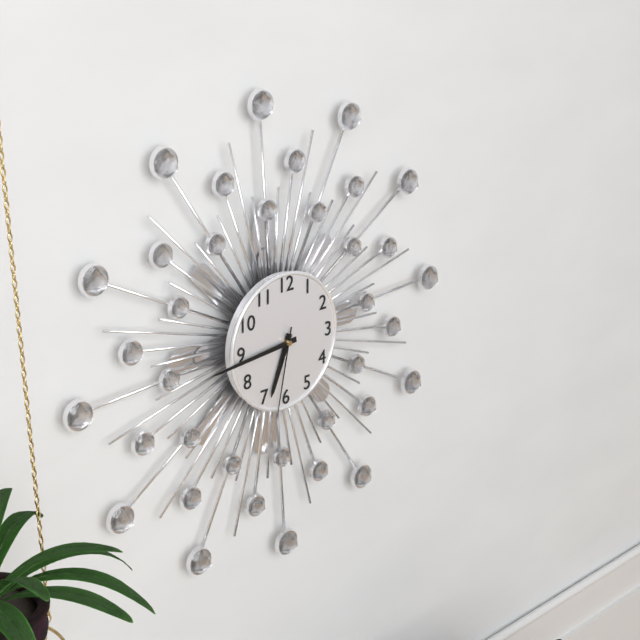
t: 6:44:32
